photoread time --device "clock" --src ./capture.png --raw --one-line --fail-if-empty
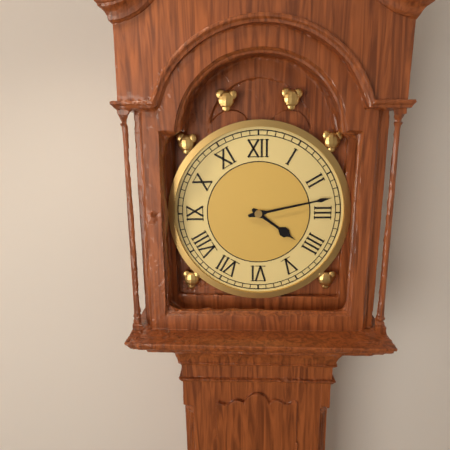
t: 4:13
